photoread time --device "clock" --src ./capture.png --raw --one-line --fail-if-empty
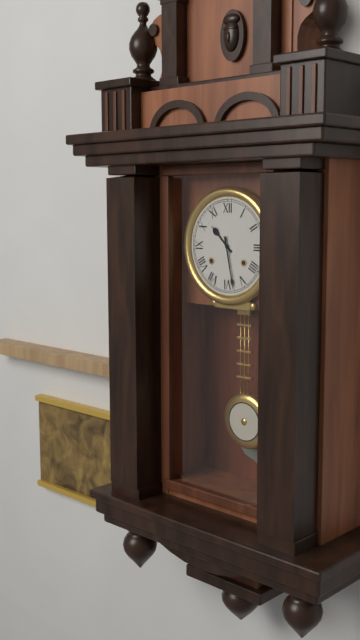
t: 10:28
